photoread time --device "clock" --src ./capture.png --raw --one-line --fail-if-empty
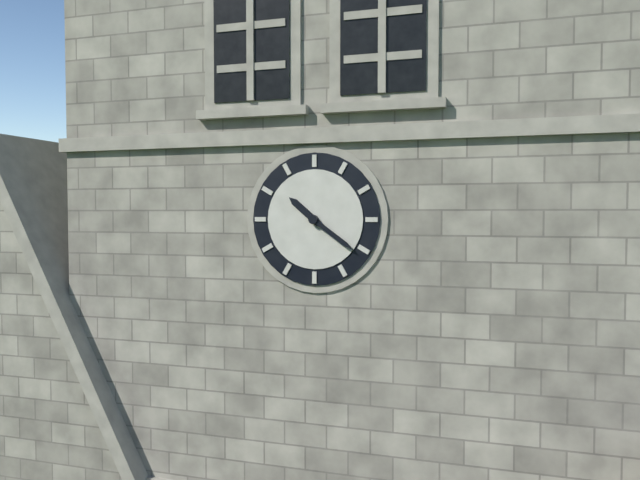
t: 10:21
